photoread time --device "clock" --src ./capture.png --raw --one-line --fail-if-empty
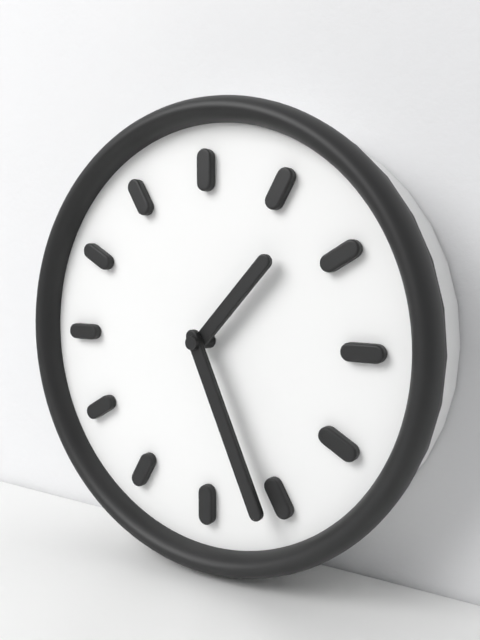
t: 1:26
